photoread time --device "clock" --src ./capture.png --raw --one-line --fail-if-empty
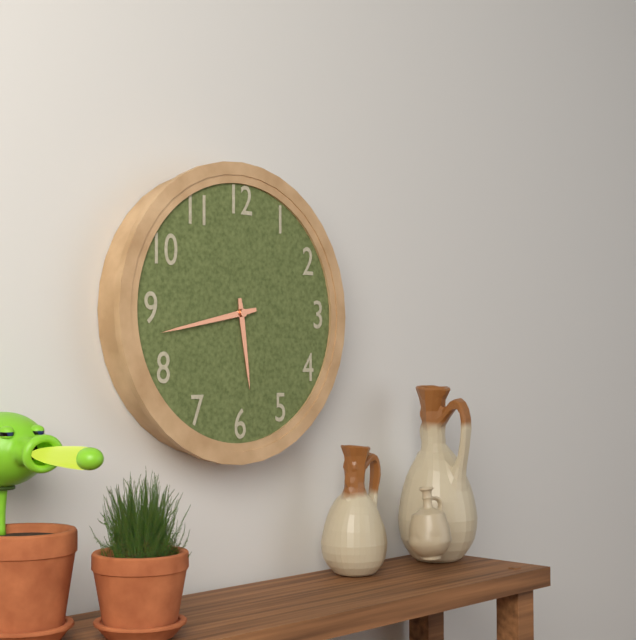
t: 5:43
